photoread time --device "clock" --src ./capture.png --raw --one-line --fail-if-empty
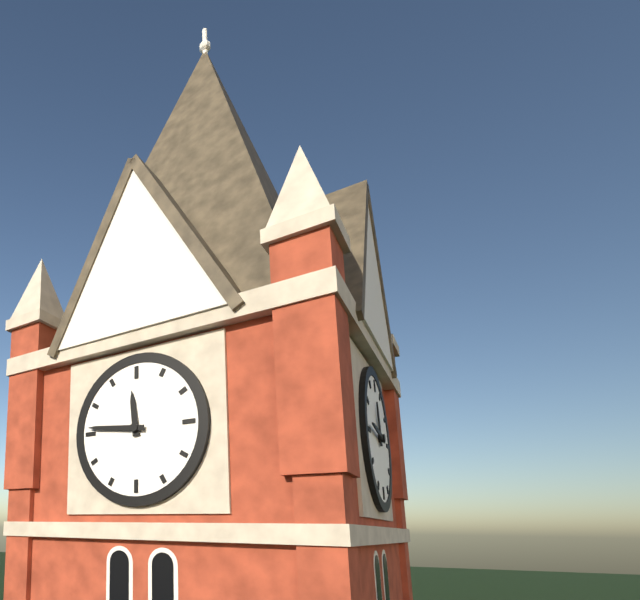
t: 11:46
